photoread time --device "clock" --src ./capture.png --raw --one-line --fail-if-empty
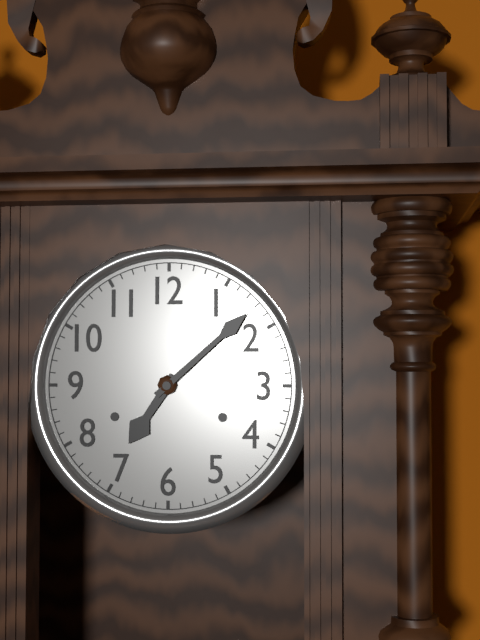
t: 7:08
